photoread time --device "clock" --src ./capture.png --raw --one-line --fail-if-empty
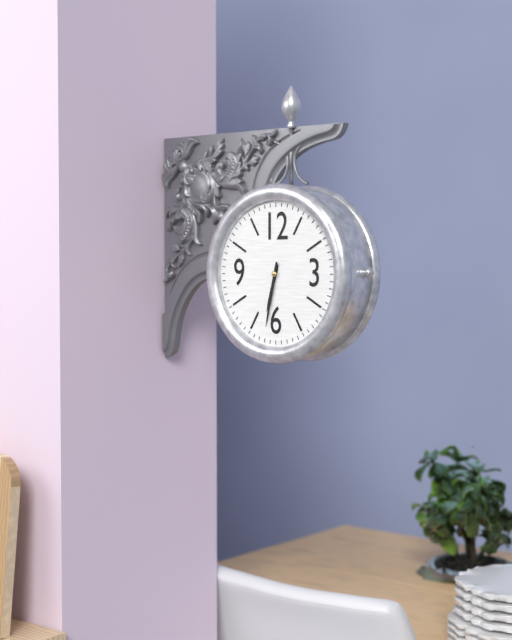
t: 6:32
